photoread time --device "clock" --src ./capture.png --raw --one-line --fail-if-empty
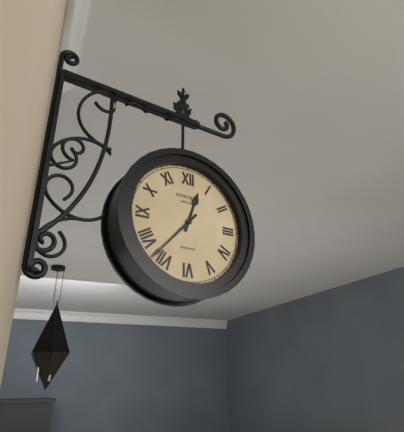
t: 12:37
